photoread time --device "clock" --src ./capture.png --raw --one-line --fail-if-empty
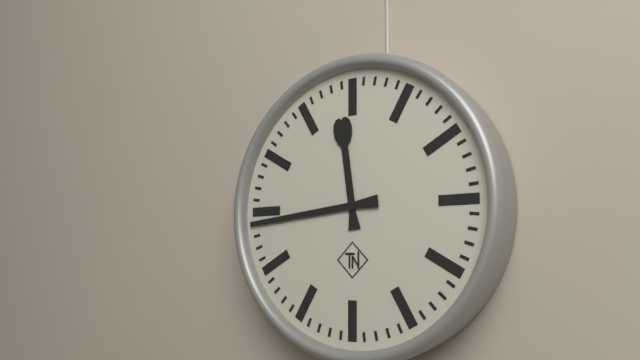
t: 11:44
